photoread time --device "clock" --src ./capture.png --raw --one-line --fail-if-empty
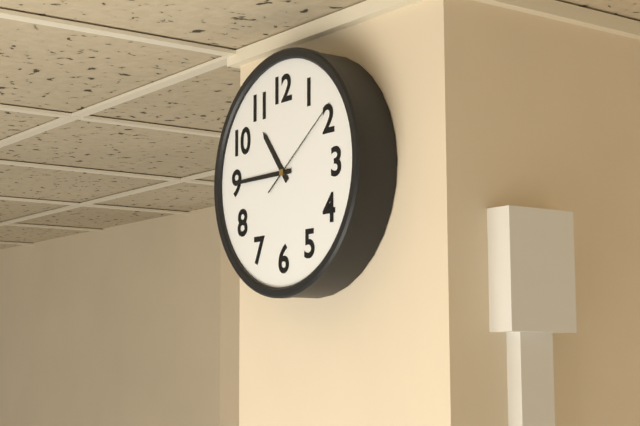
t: 10:45:09
